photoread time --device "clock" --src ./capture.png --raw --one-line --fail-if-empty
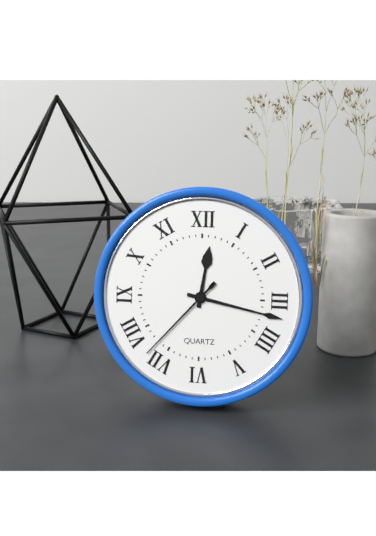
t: 12:17:37
